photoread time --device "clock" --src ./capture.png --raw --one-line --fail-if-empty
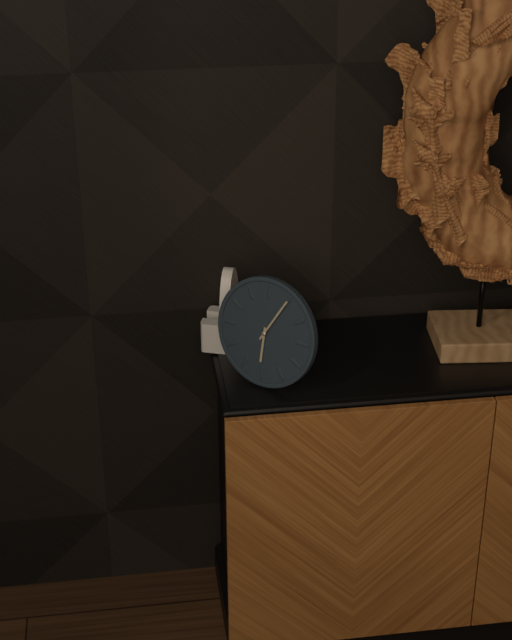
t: 6:05
